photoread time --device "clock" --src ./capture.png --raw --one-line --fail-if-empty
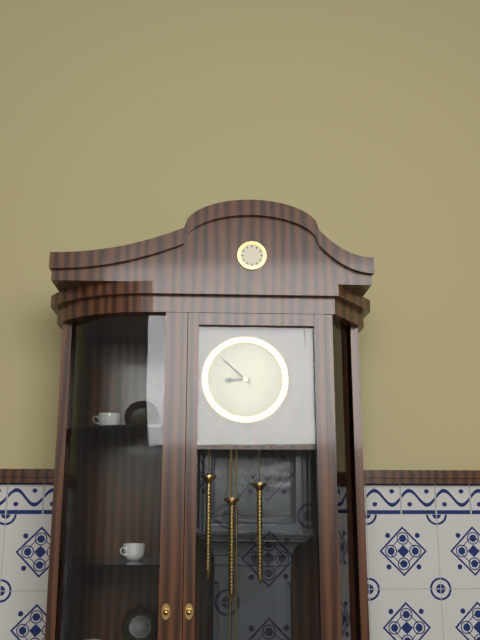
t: 8:52
